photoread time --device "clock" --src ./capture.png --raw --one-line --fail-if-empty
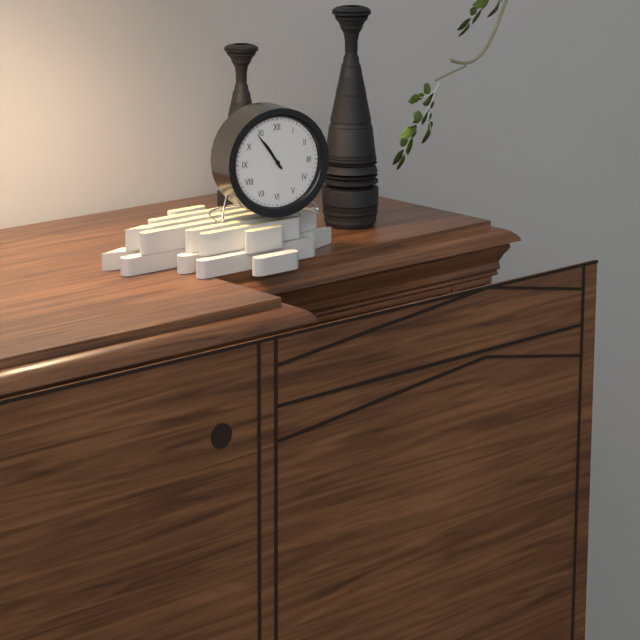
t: 10:54
